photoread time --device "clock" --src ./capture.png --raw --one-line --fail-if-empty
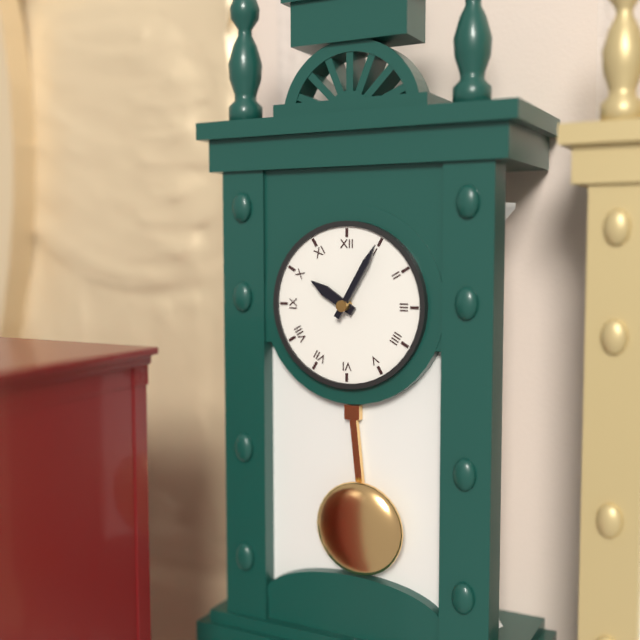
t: 10:05
